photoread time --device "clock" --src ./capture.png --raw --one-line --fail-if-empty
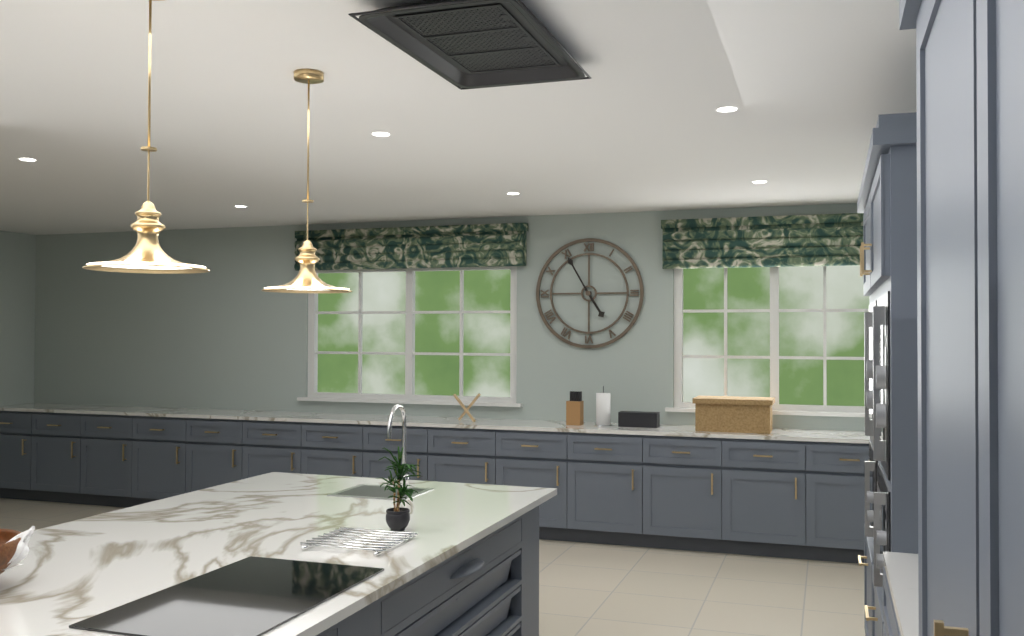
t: 4:55
